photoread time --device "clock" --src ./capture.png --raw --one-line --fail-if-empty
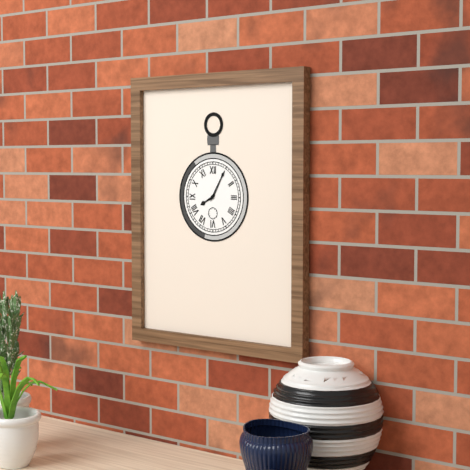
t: 8:05
